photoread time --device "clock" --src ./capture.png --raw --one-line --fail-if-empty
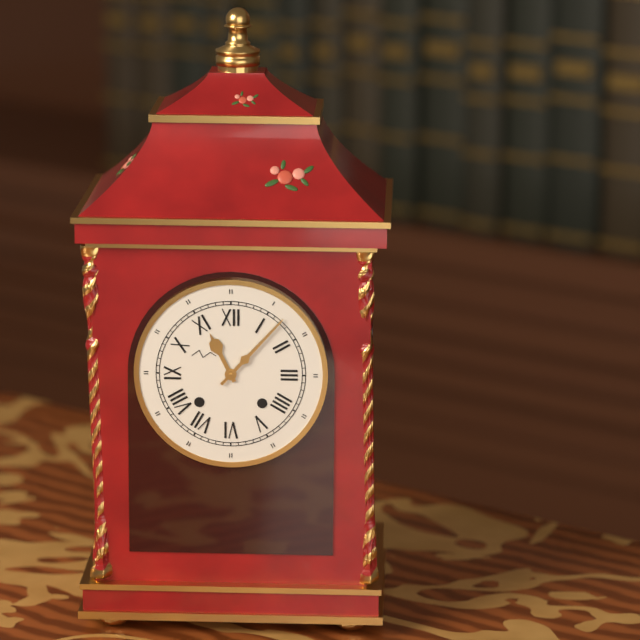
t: 11:07
